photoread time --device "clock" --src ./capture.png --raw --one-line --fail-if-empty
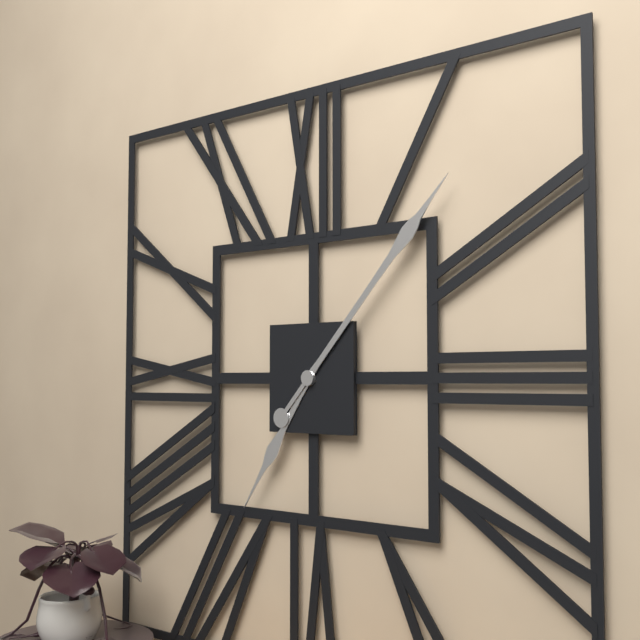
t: 7:07
